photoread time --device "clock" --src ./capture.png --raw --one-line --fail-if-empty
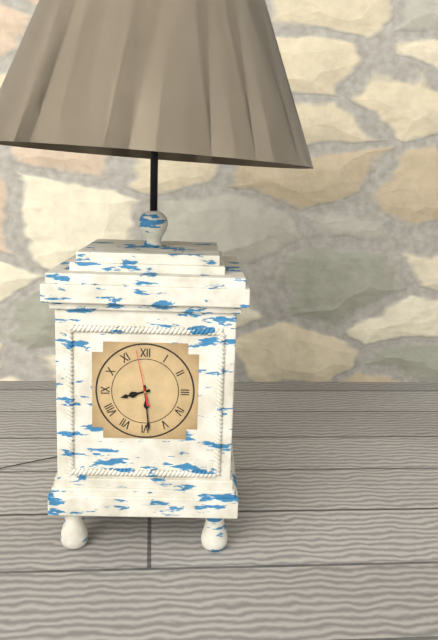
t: 8:29:58
